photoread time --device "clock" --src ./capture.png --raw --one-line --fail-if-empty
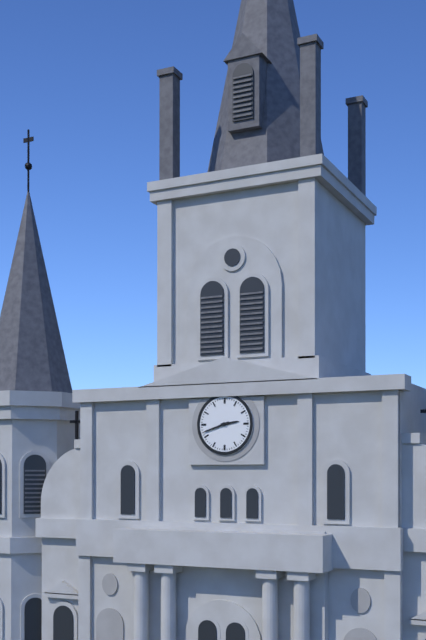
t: 2:42
